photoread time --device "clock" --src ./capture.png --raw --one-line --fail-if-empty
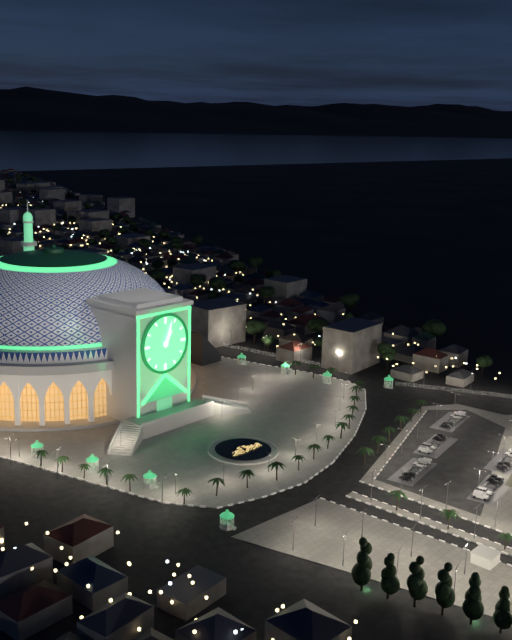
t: 1:03
